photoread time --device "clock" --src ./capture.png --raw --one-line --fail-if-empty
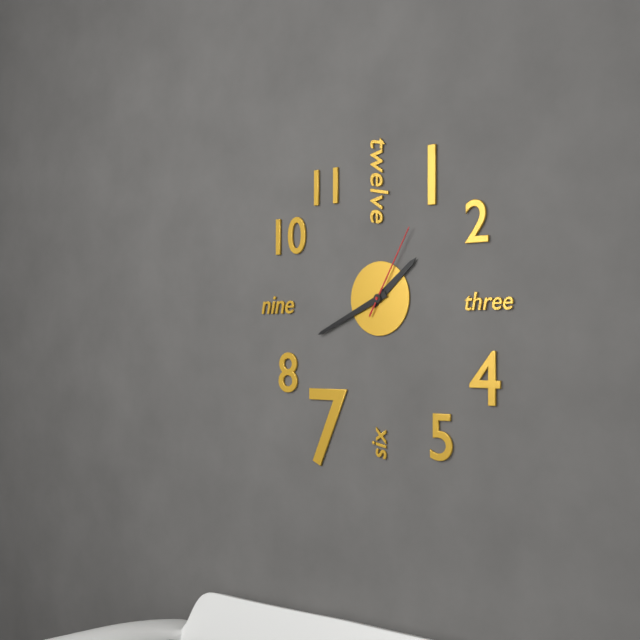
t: 1:41:05
